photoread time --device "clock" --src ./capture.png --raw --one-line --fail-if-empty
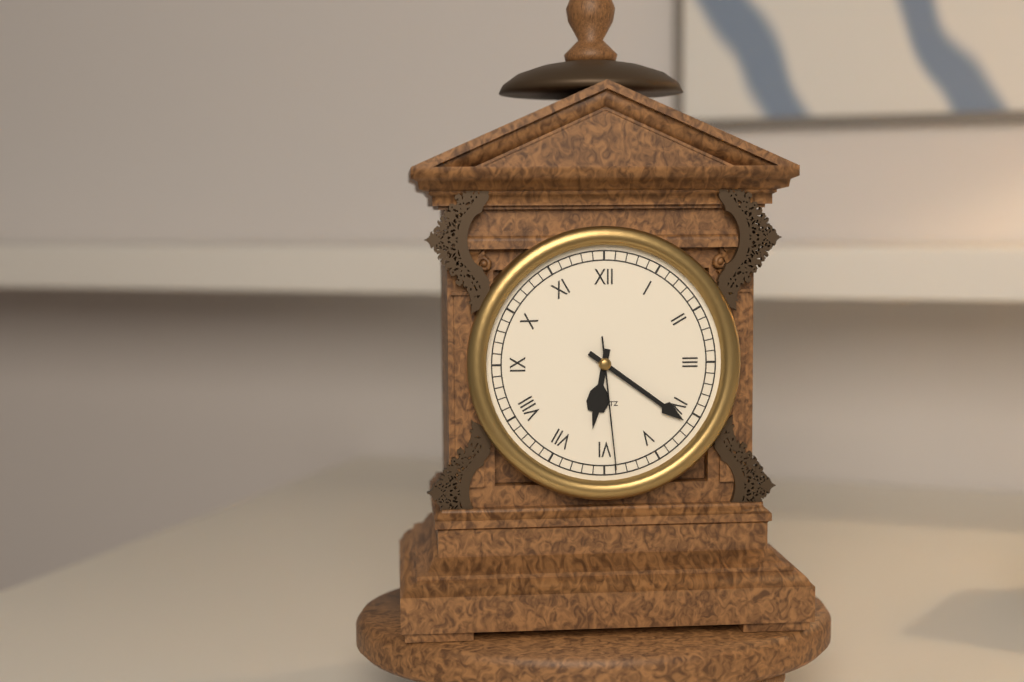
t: 6:21:29
